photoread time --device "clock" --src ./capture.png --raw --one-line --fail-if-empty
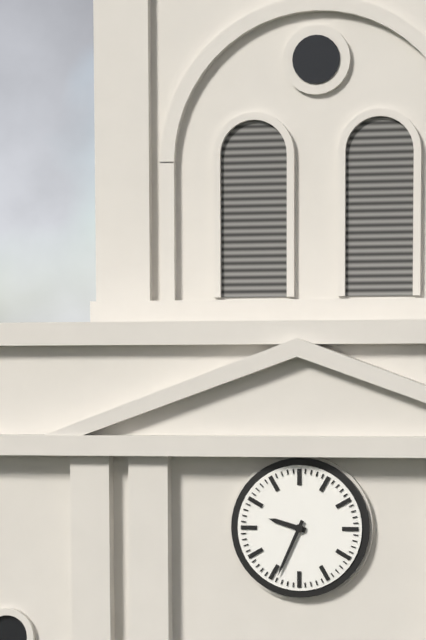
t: 9:34
